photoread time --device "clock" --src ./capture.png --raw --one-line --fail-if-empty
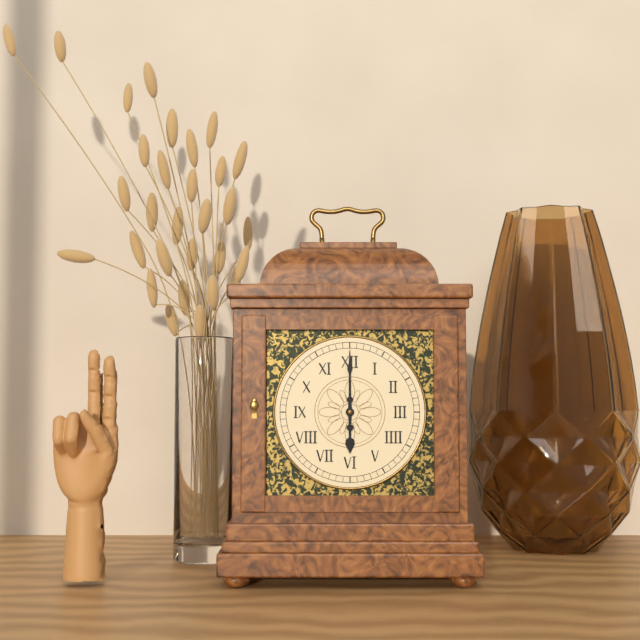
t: 6:00
